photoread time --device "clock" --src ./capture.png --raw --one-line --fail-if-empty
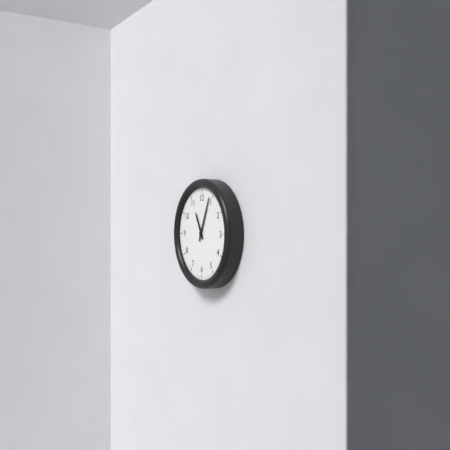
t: 11:04
